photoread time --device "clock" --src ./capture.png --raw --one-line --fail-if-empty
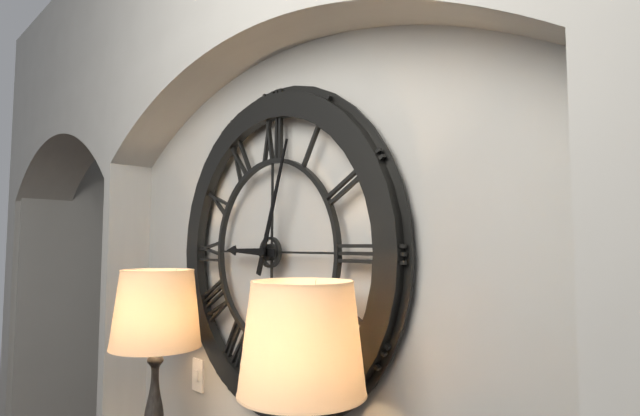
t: 9:03
